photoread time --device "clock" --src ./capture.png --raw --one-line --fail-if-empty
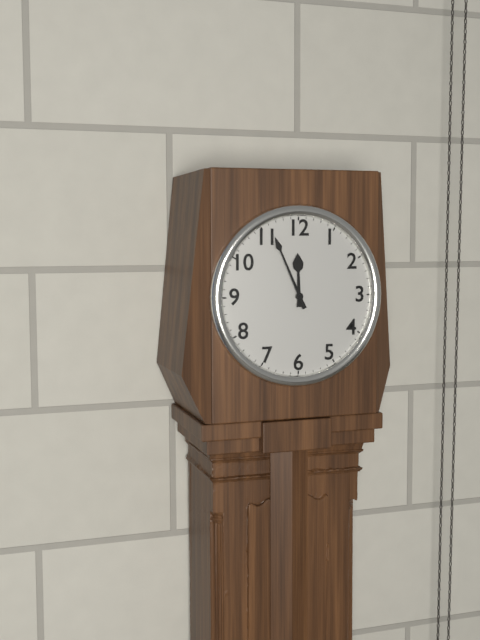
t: 11:56
